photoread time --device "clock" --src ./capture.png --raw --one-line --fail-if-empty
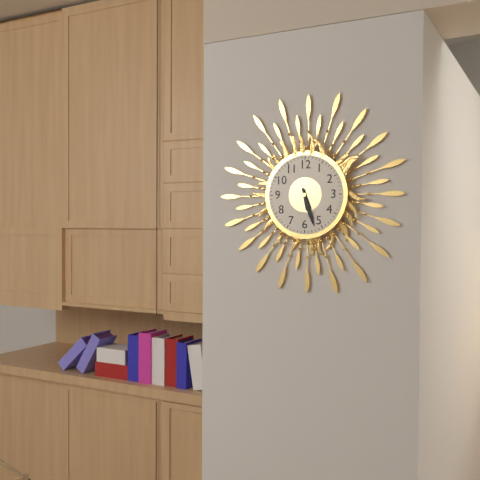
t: 5:27
